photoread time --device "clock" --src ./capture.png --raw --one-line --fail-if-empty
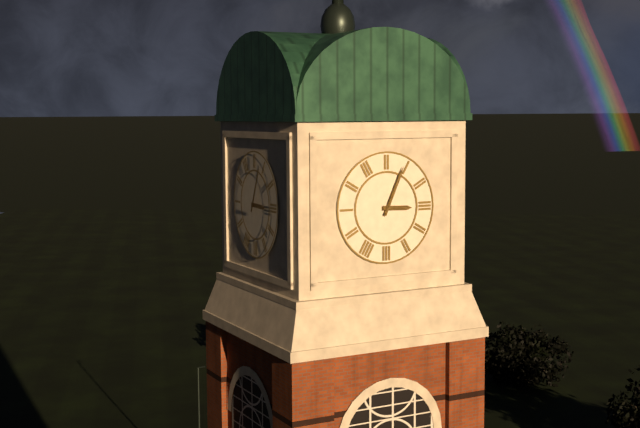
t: 3:04
